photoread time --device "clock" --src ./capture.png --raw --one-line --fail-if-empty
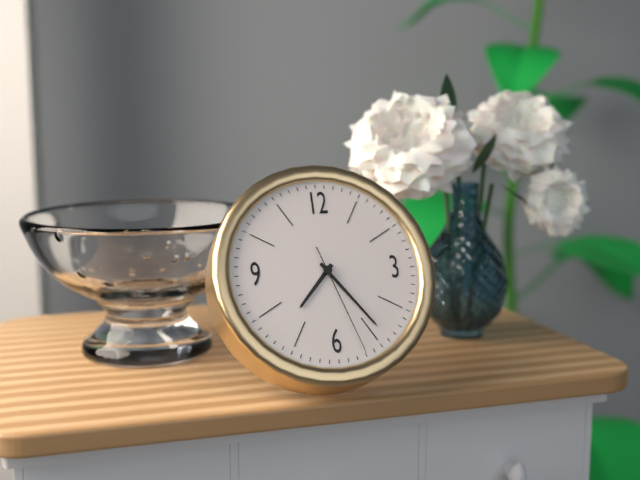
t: 7:24:27
